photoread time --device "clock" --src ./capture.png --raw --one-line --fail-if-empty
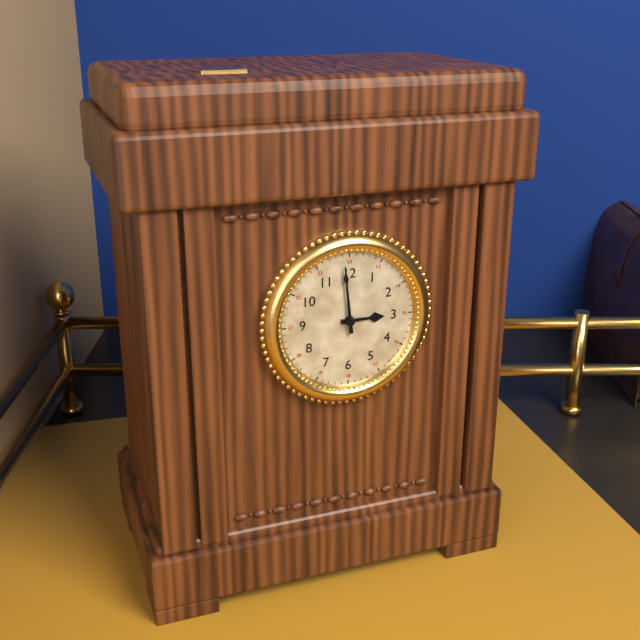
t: 2:59
